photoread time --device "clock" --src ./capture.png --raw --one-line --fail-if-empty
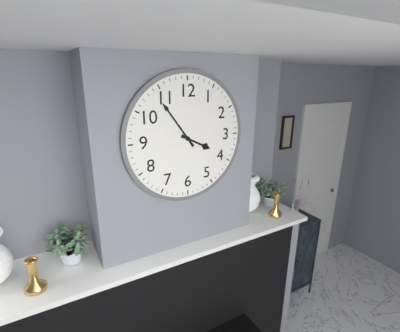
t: 3:54
